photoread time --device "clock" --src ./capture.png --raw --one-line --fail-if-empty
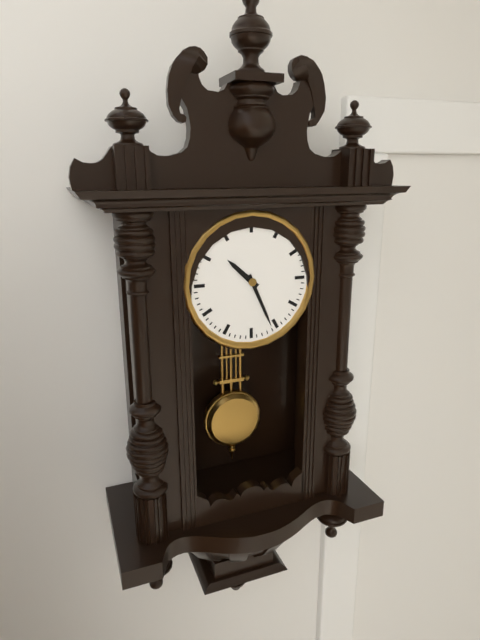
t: 10:26
